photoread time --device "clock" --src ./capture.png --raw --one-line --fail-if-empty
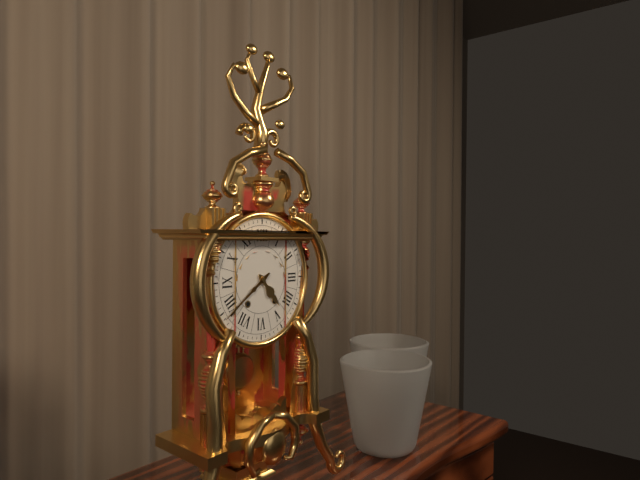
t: 4:39
